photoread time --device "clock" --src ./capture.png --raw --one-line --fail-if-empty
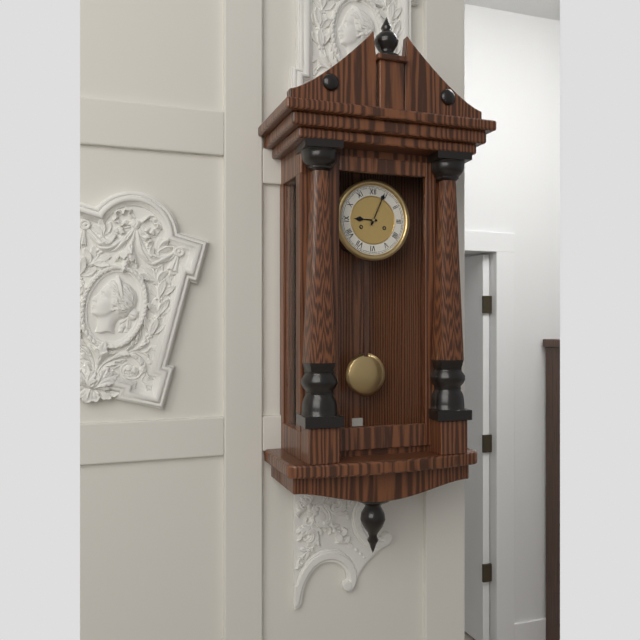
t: 9:04
